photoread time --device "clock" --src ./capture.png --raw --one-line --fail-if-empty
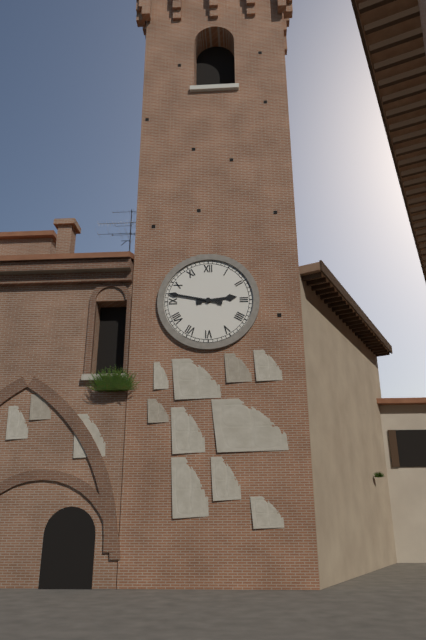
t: 2:47
